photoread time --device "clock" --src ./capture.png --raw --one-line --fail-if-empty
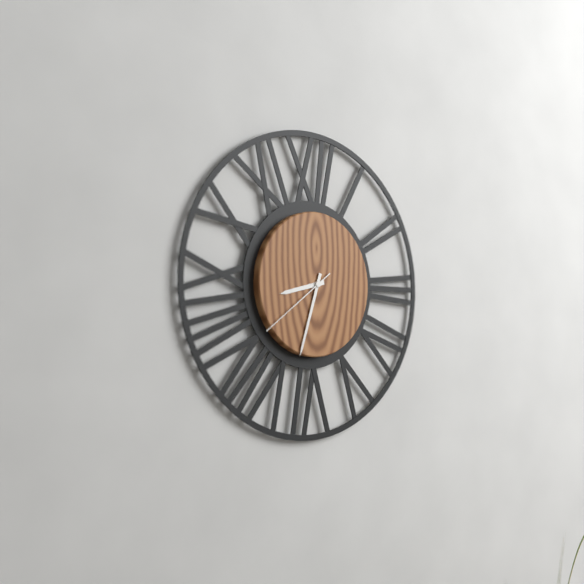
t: 8:33:39
